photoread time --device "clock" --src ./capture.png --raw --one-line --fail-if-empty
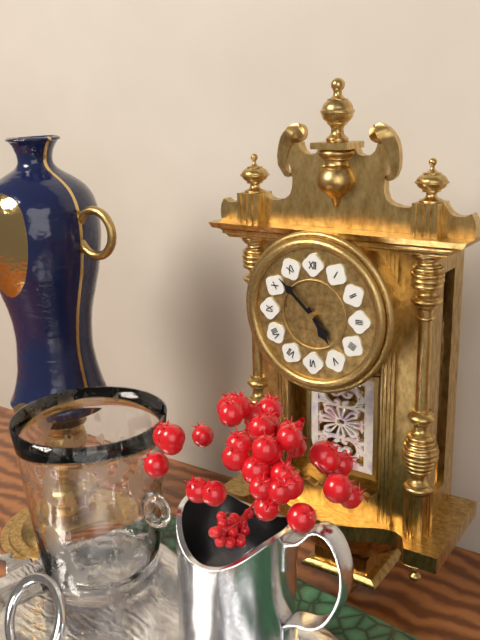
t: 4:52
